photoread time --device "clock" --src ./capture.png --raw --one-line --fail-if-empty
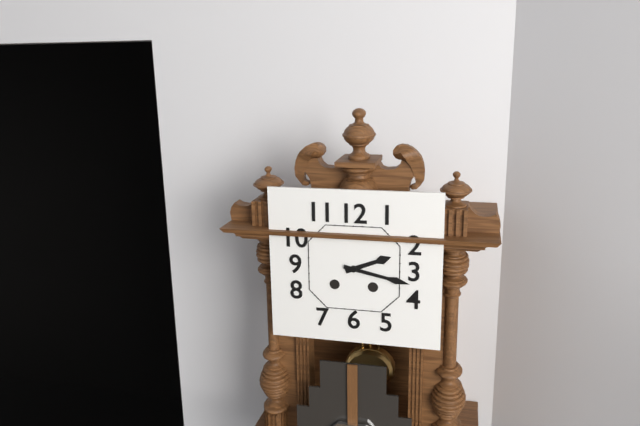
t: 2:17
